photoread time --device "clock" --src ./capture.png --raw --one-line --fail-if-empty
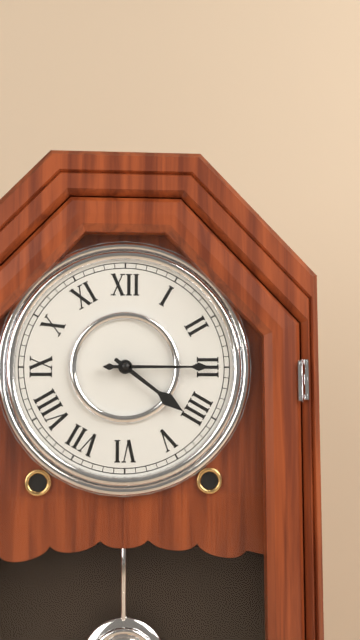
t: 4:15
